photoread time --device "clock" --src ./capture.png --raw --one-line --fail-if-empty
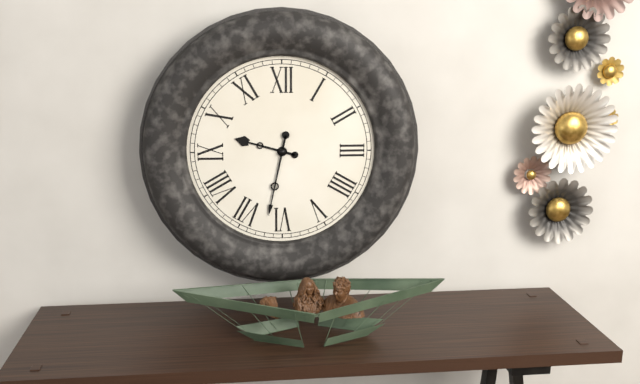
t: 9:32
